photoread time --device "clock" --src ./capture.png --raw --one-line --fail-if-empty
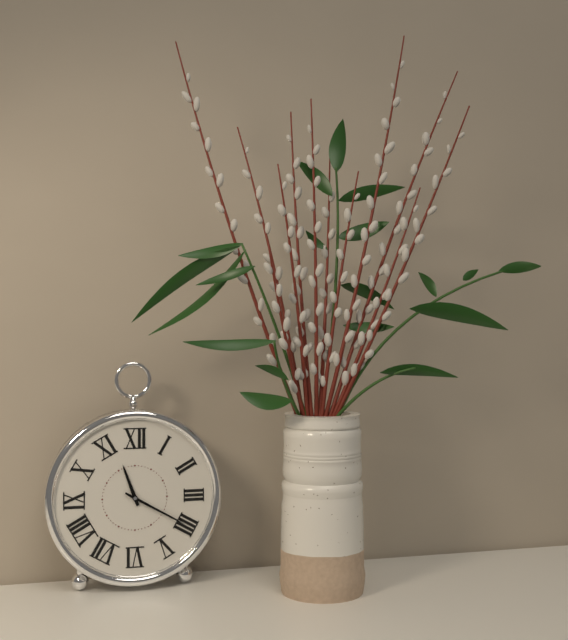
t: 11:20
